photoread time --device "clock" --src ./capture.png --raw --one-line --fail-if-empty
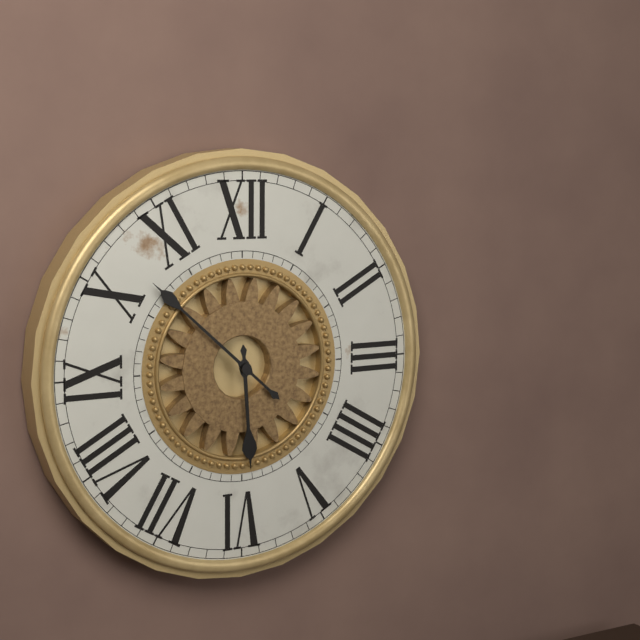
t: 5:52
